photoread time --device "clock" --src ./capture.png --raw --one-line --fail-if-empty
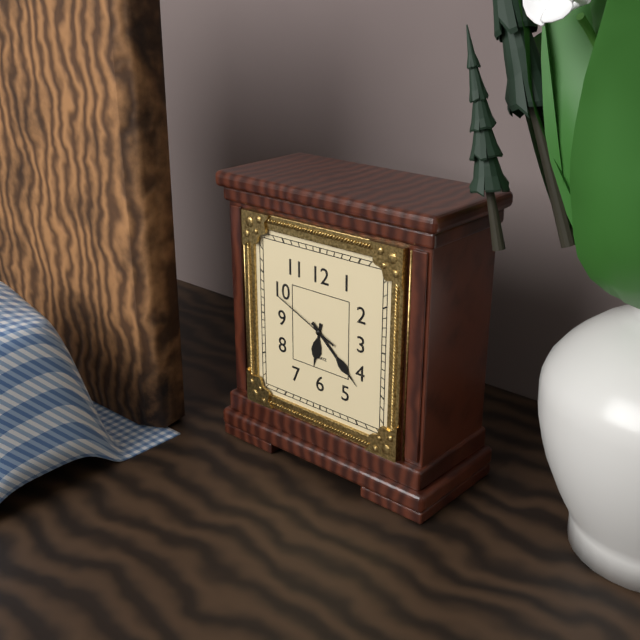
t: 6:22:49
